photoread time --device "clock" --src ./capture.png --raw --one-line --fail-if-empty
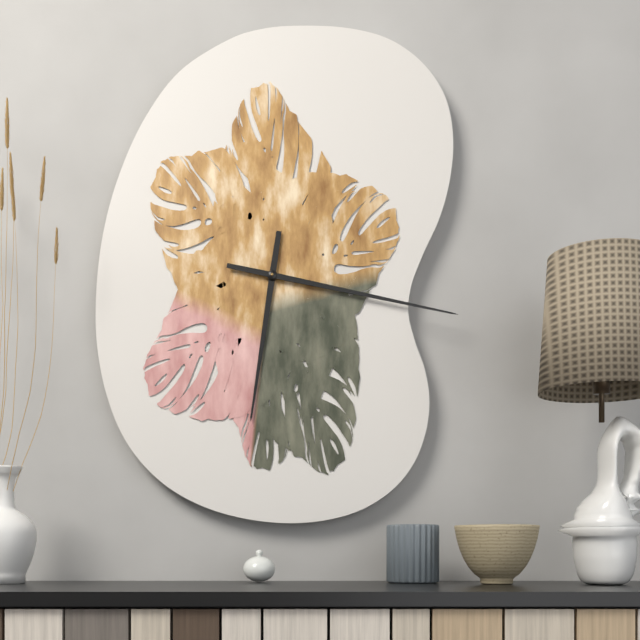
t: 6:17
